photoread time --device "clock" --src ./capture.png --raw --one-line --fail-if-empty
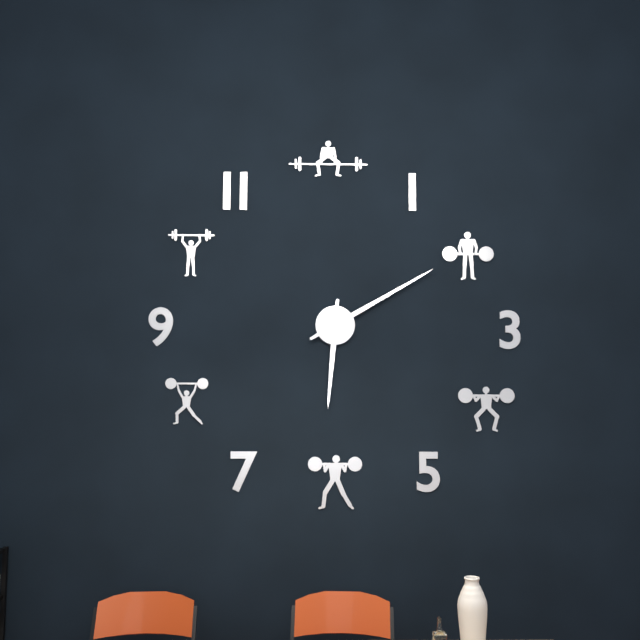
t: 6:10
